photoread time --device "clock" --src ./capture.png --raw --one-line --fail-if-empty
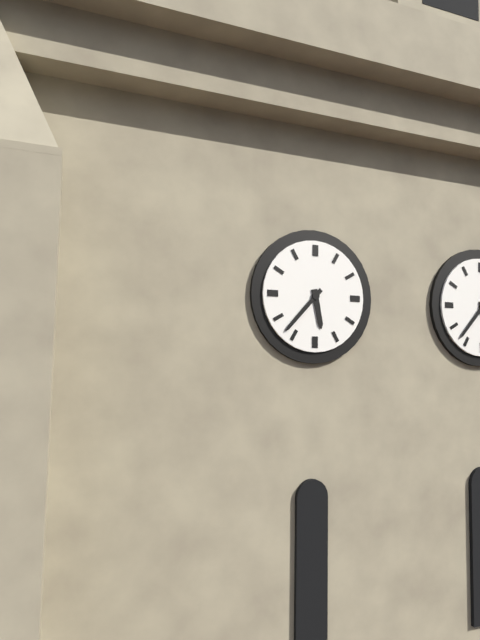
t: 5:37
